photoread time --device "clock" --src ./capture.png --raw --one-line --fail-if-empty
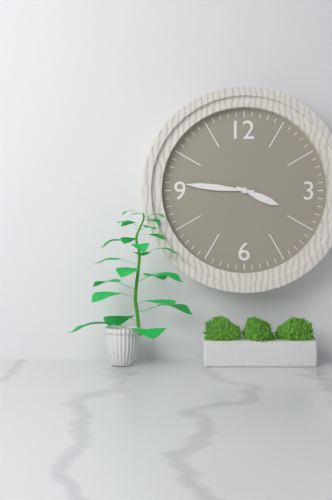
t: 3:46
